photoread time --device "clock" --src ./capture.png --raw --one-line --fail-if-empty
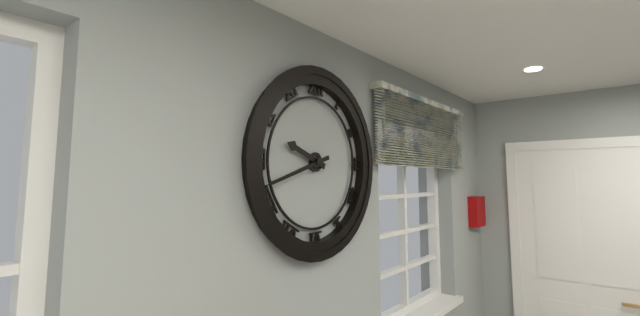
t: 9:42
